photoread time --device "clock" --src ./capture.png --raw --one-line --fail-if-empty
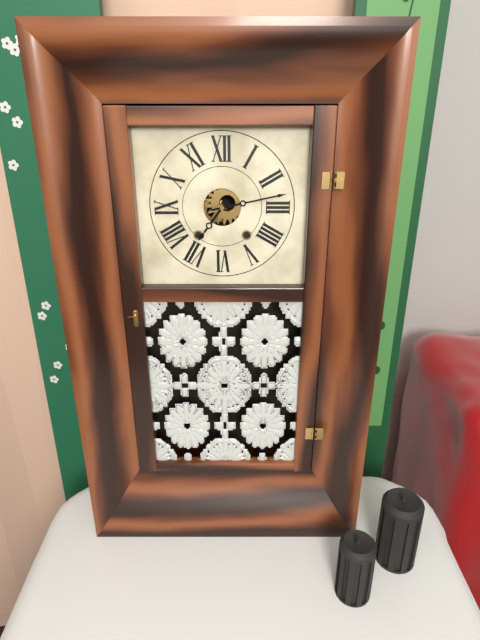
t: 7:13
